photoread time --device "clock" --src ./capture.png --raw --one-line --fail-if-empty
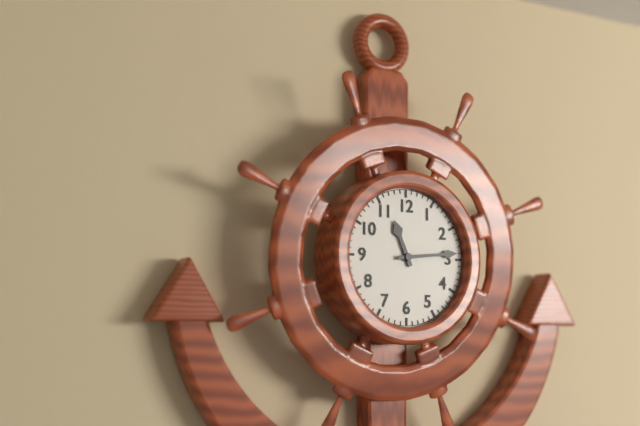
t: 11:14
